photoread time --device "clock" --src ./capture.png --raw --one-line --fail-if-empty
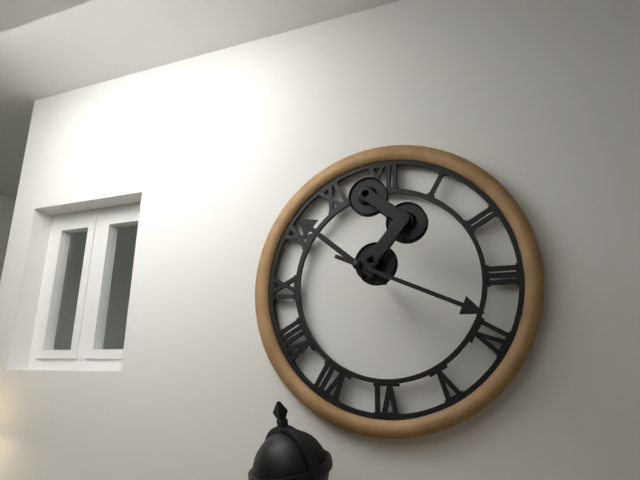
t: 10:19
